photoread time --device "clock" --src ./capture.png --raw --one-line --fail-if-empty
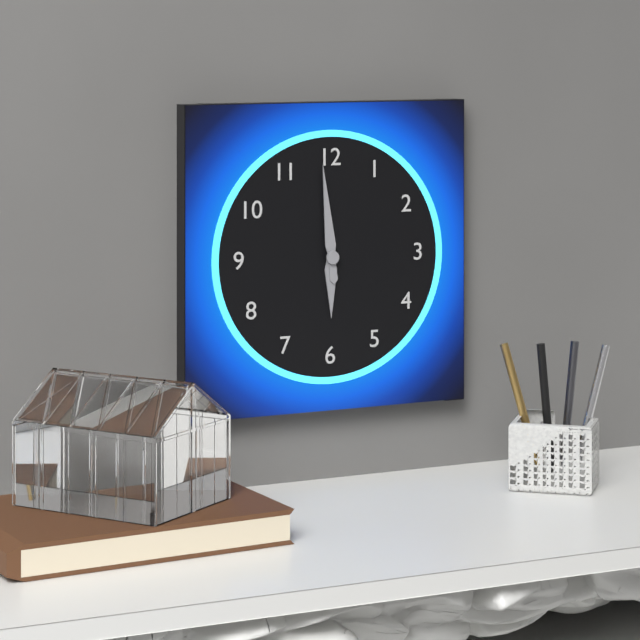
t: 5:59
